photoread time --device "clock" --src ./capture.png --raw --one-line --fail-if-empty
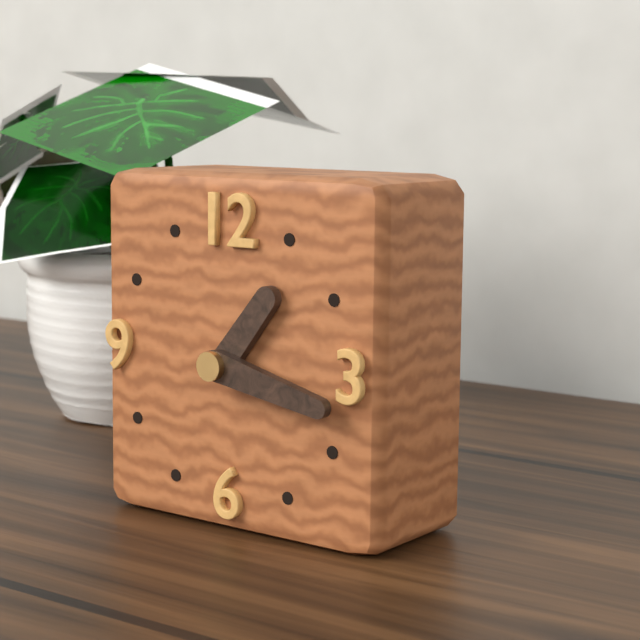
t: 1:17
